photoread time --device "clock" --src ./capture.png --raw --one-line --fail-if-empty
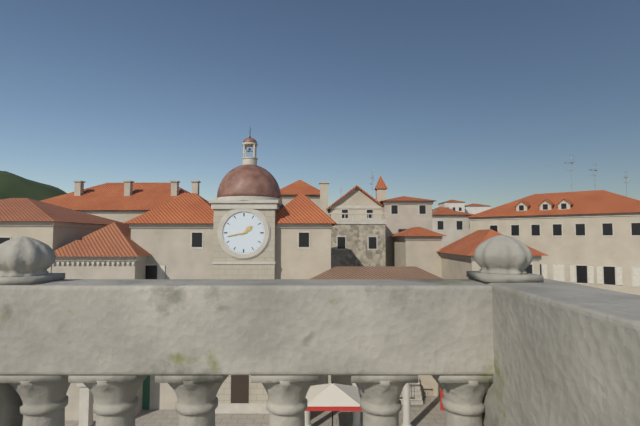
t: 1:43
